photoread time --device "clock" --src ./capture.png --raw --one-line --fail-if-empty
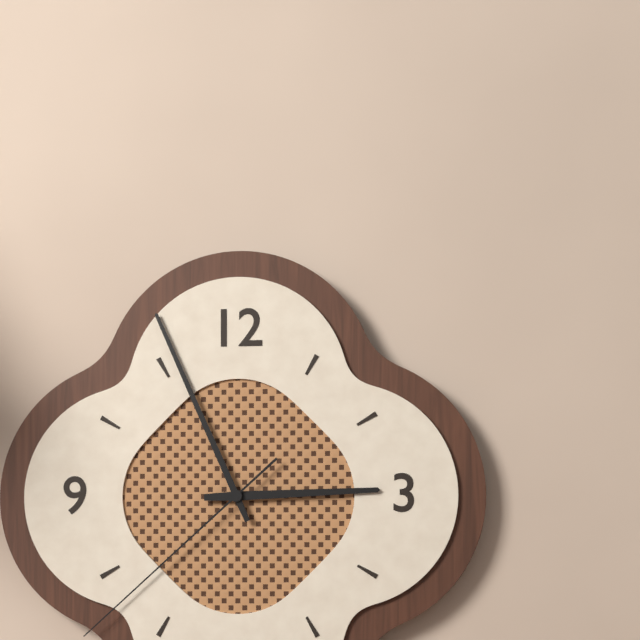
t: 2:56:38
